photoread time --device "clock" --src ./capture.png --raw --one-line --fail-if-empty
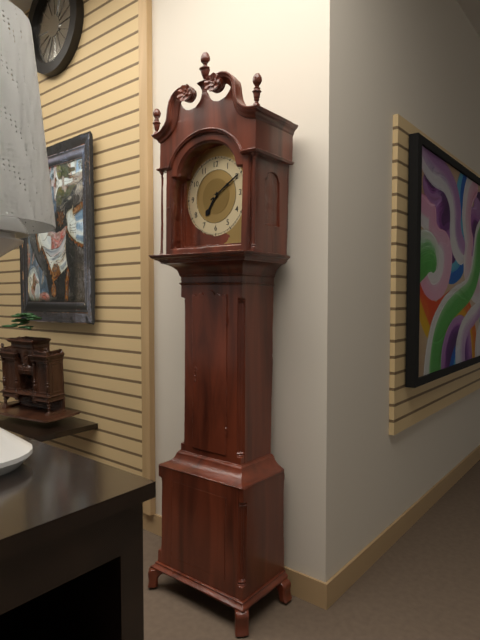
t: 7:10
